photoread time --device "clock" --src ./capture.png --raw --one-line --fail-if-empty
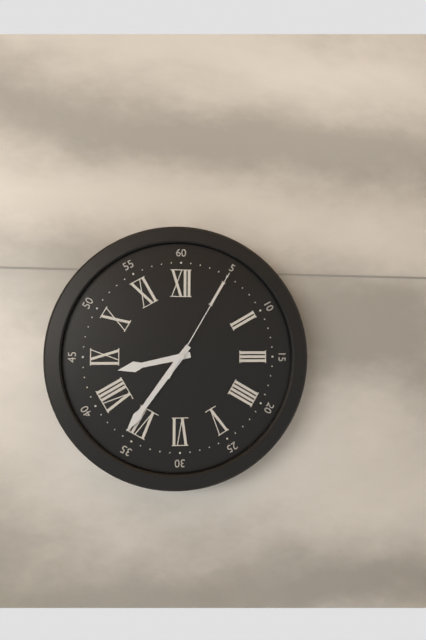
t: 8:36:05
